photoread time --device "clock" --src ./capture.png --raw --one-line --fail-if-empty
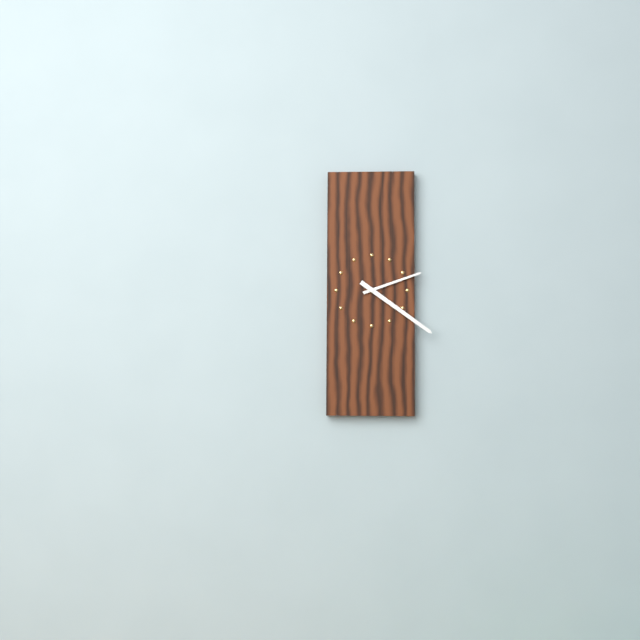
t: 2:21
